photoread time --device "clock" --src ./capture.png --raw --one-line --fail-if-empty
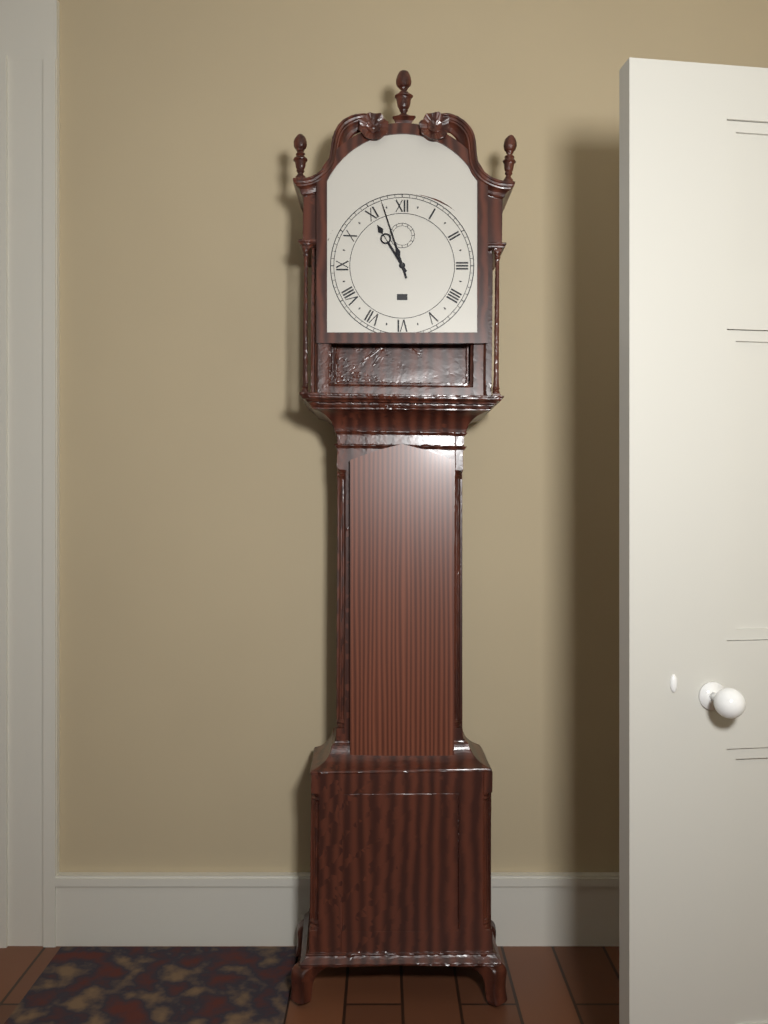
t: 10:57
